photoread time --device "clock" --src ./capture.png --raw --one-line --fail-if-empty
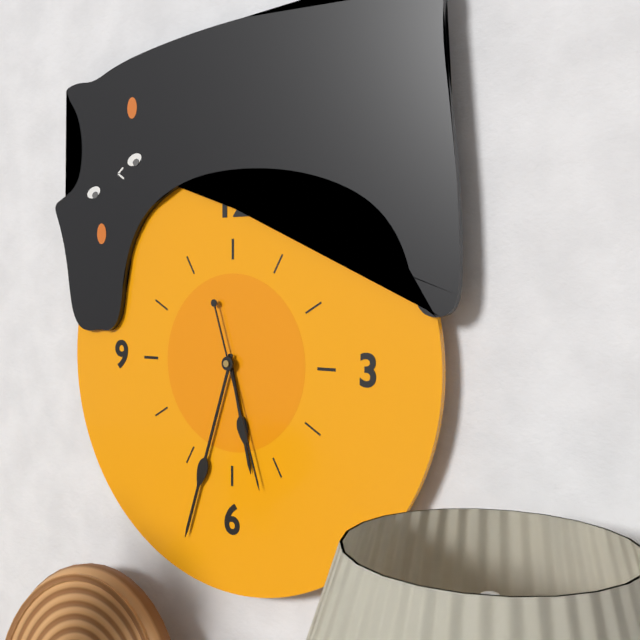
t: 5:33:27
